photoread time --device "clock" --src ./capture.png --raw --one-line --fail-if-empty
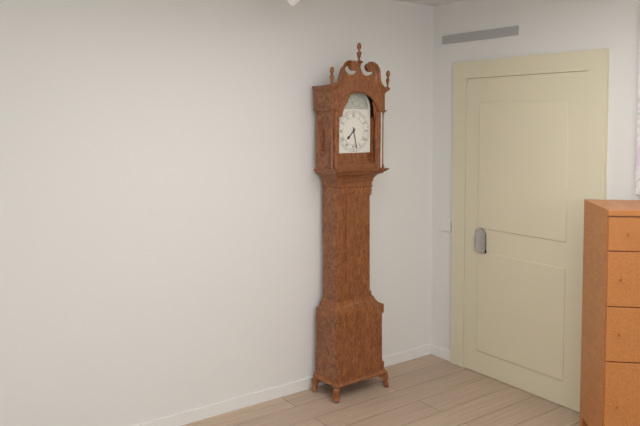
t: 7:28
